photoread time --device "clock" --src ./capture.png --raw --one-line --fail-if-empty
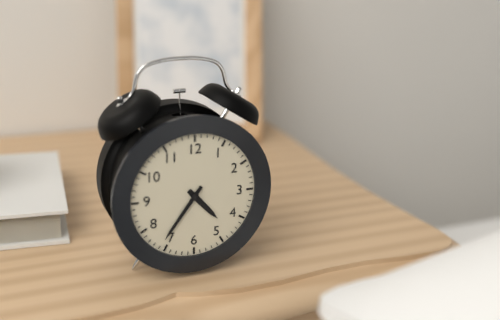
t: 4:36
